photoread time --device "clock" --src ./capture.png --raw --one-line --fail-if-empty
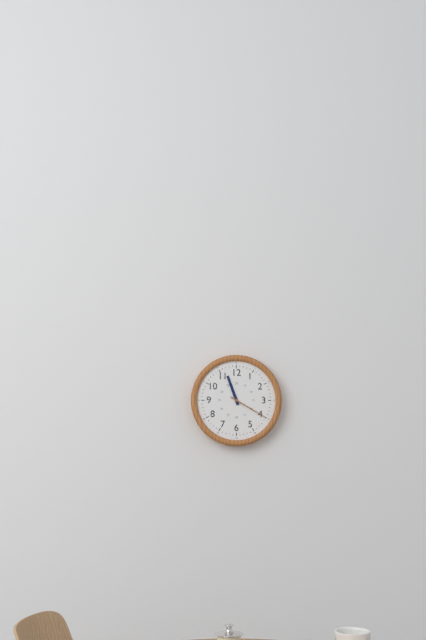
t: 11:20
